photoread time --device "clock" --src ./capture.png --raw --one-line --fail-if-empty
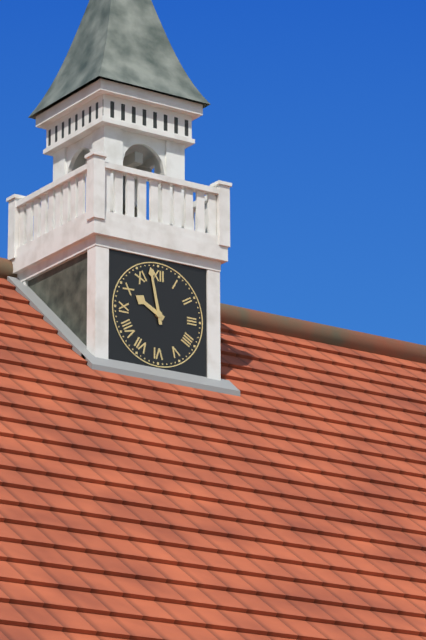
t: 9:58
